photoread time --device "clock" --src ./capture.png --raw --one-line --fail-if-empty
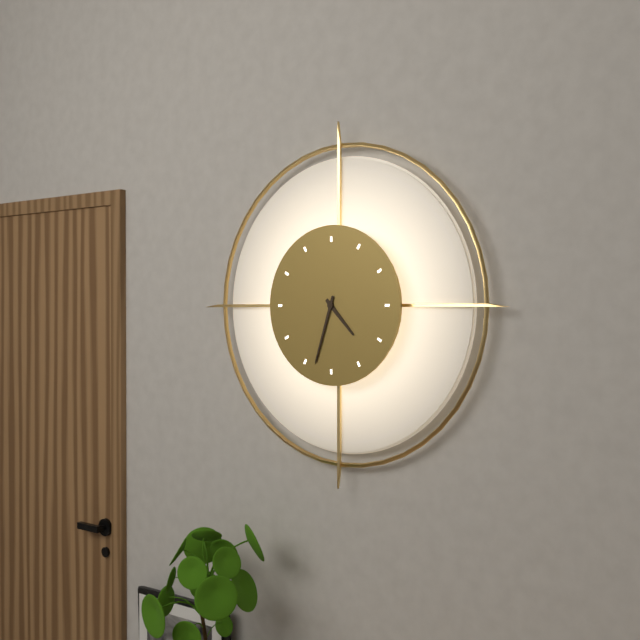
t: 4:33
